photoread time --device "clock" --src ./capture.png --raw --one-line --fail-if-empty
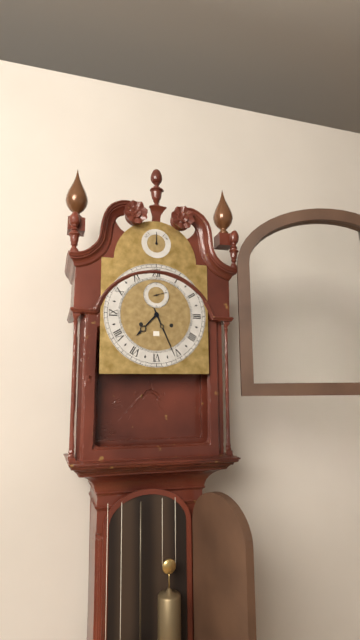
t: 7:26
